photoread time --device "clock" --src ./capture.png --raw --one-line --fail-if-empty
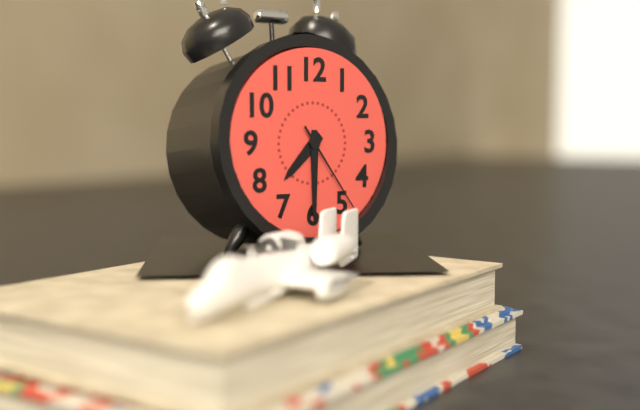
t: 7:30:24
